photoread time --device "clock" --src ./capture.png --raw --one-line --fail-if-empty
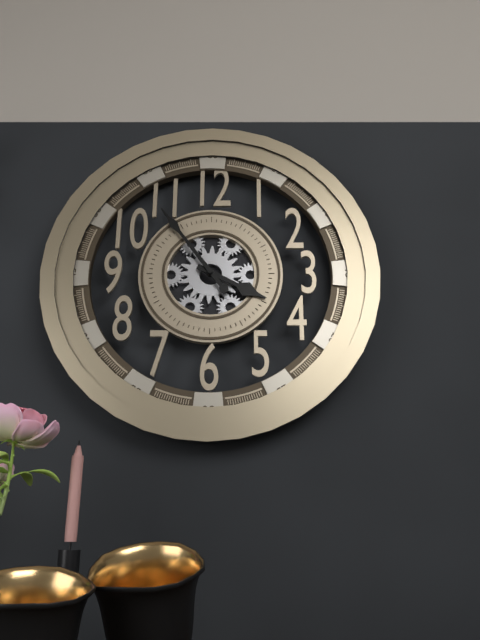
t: 3:54
